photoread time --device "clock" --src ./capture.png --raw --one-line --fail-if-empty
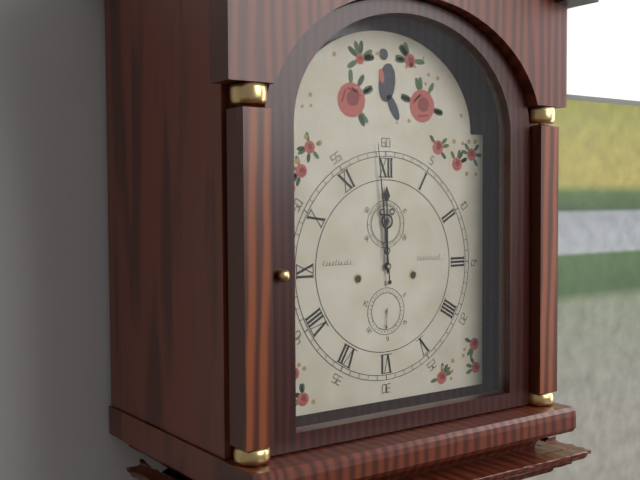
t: 11:59
